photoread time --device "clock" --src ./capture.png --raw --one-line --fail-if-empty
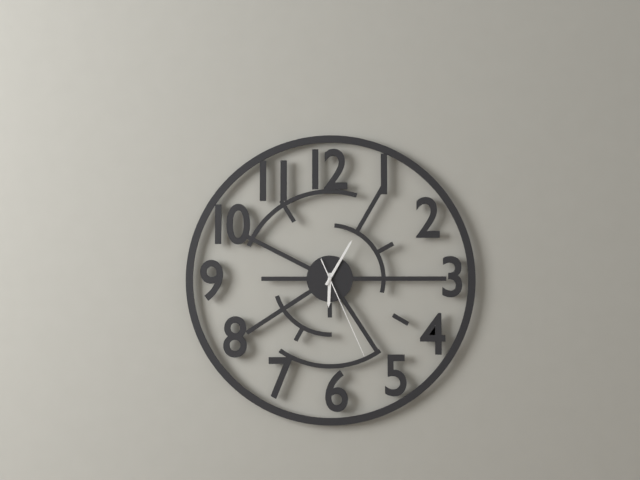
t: 6:05:26
